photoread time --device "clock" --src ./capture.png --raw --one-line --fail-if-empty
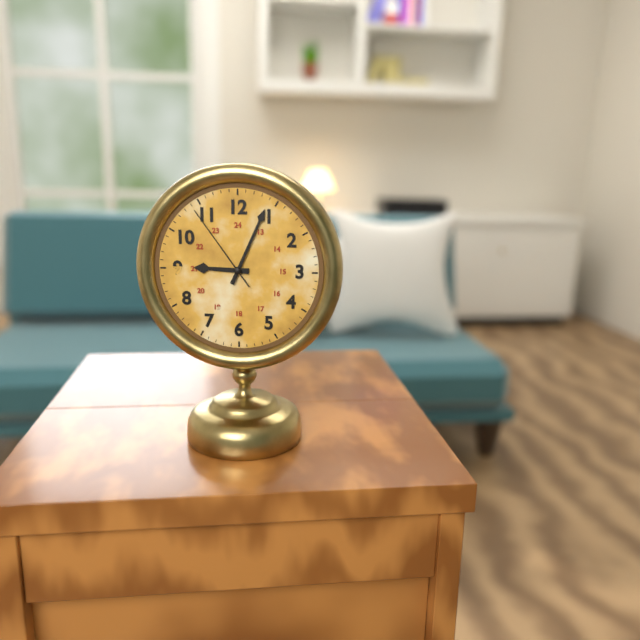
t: 9:04:54
